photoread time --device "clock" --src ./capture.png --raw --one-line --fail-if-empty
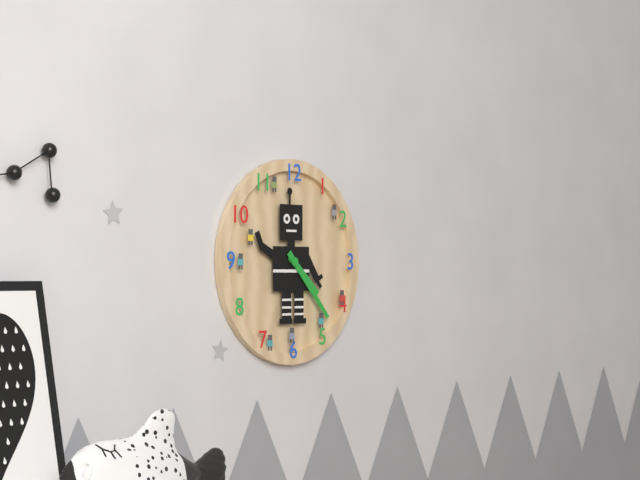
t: 4:23
